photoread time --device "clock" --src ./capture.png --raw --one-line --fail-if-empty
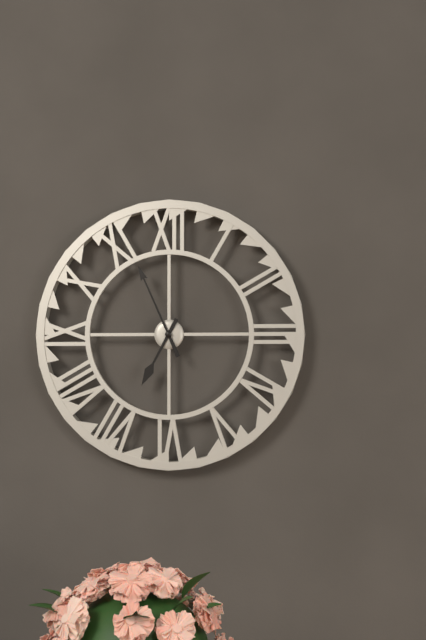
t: 6:56
